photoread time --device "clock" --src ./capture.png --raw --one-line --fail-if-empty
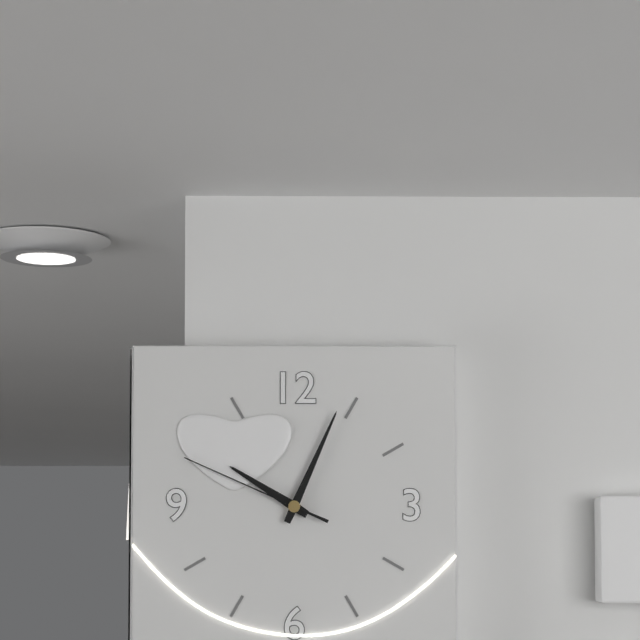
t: 10:04:49
